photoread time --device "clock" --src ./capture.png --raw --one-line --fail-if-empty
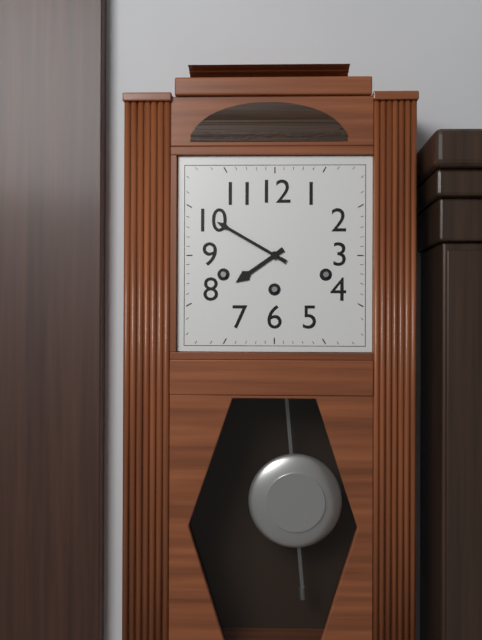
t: 7:50
